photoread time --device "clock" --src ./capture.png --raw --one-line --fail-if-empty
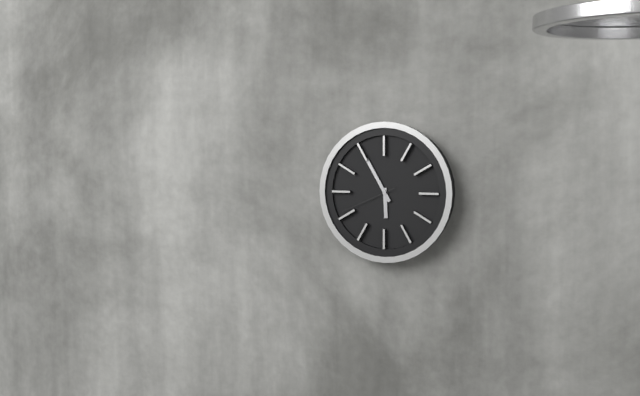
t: 5:55:41
